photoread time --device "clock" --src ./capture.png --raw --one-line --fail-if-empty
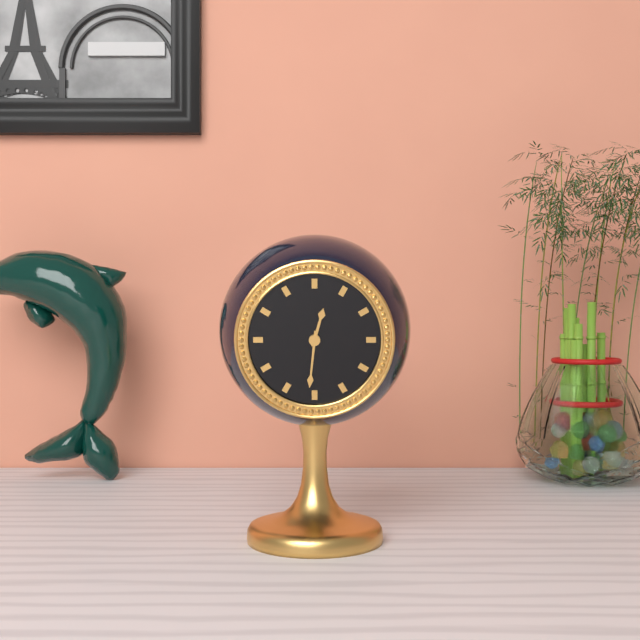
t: 12:31
